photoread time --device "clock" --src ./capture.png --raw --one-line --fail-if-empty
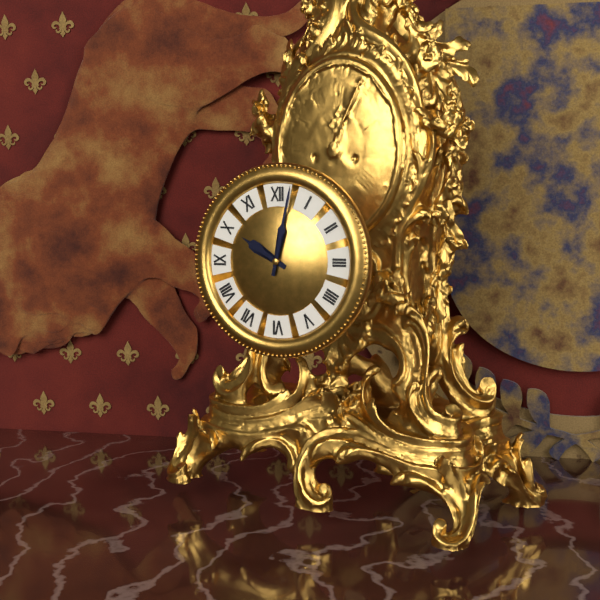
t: 10:02
